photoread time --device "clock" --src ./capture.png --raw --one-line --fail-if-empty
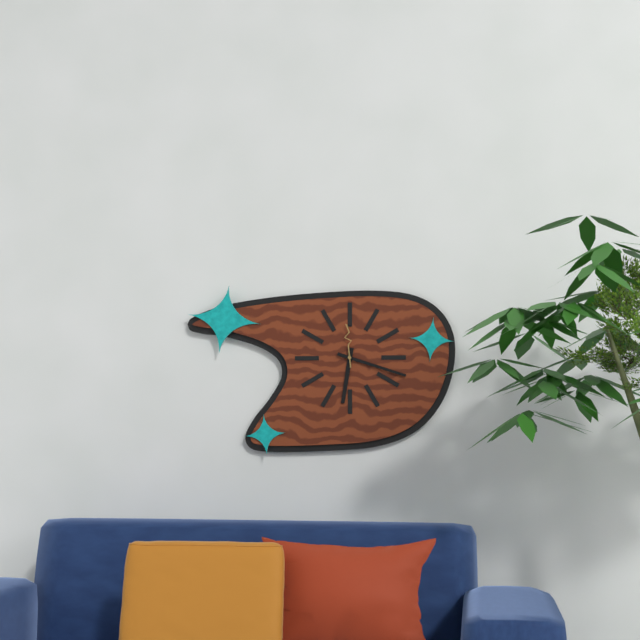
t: 6:18
